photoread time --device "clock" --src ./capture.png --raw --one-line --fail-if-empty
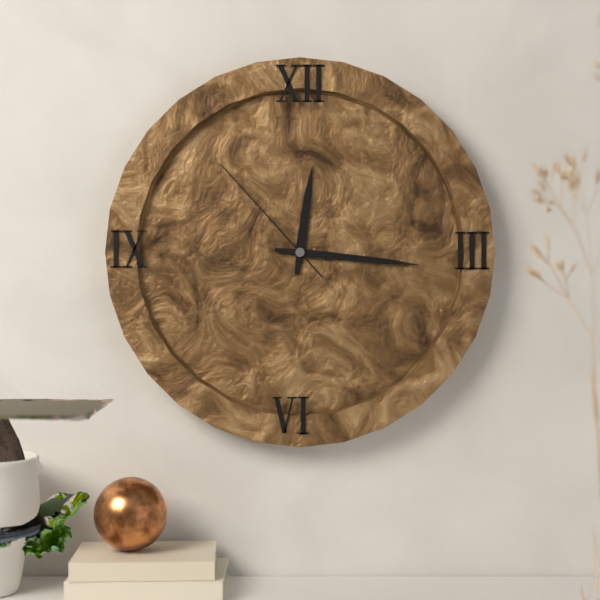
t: 12:16:53
